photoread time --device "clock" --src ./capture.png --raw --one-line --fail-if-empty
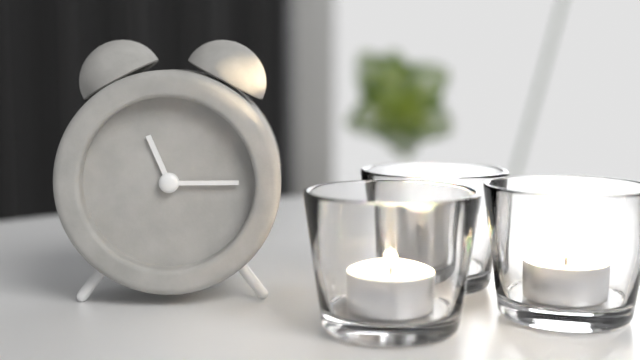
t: 11:15
